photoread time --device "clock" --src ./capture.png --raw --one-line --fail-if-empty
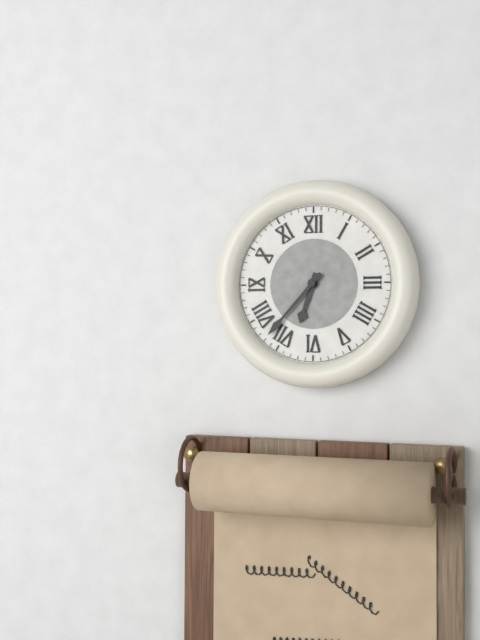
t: 6:37
